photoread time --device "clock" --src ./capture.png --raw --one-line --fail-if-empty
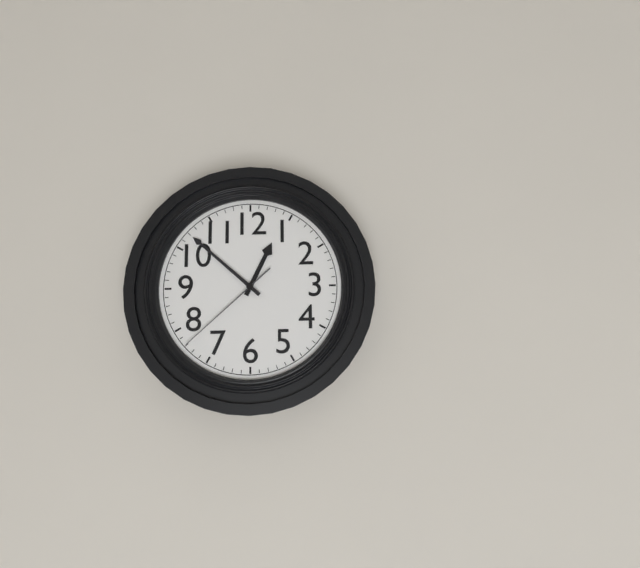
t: 12:52:38
